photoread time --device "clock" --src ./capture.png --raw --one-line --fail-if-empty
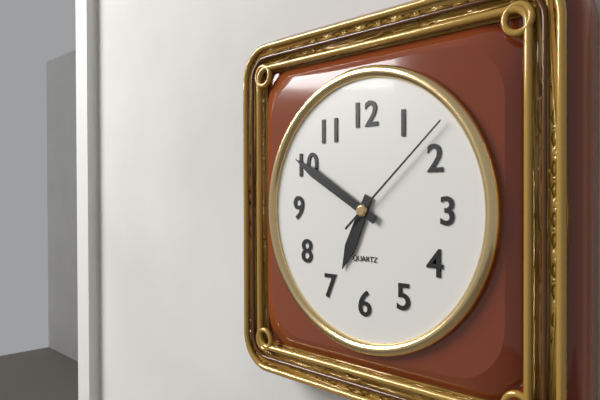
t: 6:50:08
